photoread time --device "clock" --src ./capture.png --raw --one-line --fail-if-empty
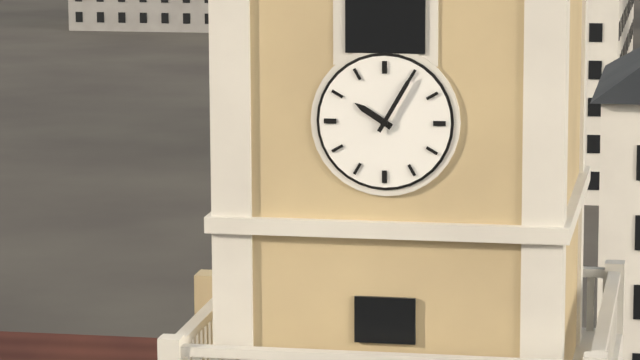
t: 10:05
